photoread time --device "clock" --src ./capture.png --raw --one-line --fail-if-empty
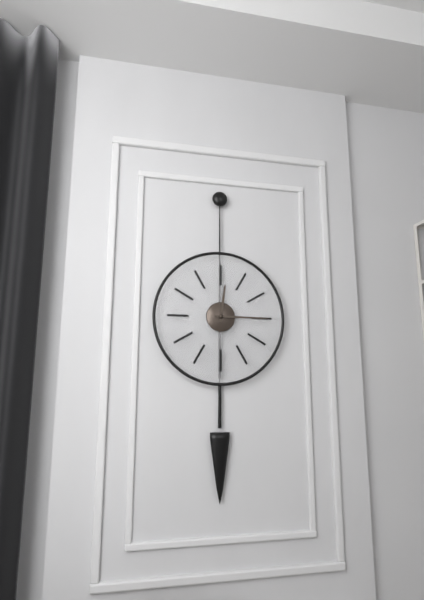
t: 12:15
